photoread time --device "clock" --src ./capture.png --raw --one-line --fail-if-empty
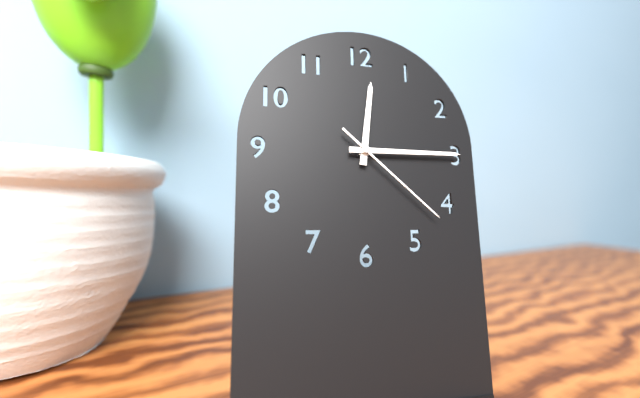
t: 12:15:22
